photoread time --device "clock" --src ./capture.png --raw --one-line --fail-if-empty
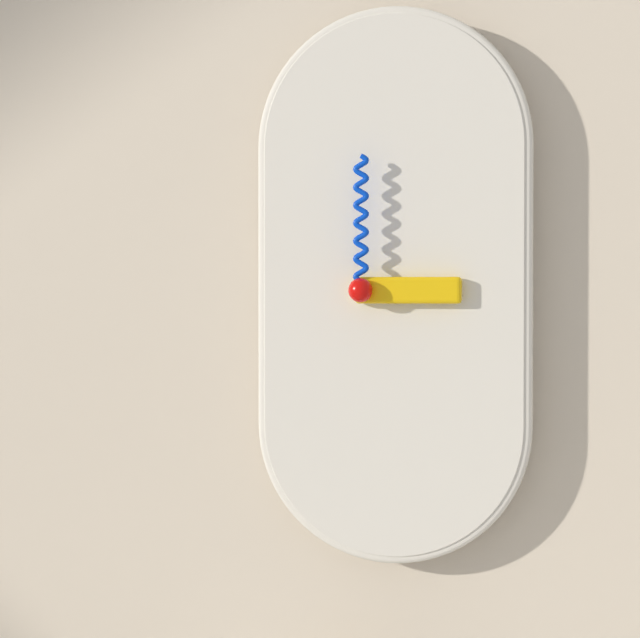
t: 3:00
